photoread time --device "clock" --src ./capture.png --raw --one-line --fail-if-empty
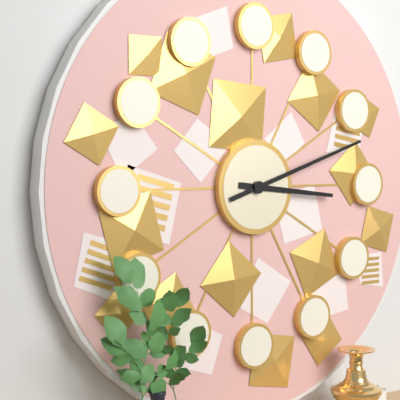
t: 3:12
